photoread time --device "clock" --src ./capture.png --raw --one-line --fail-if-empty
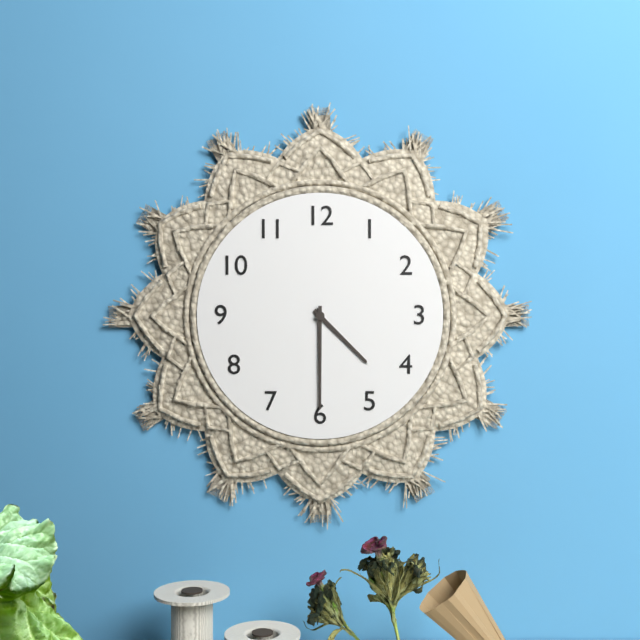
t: 4:30
